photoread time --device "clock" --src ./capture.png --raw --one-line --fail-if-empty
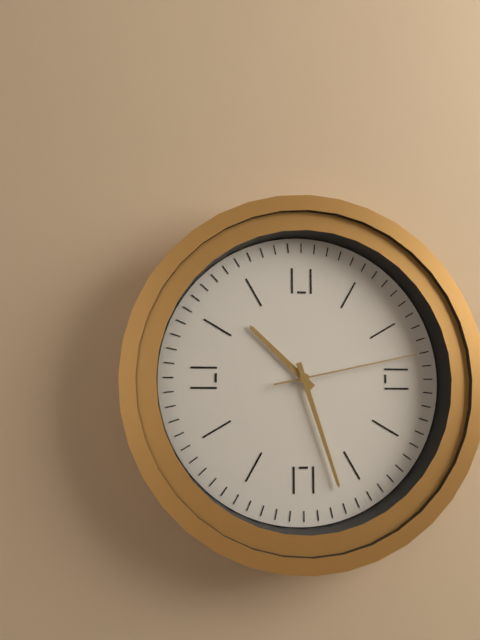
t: 10:27:13
